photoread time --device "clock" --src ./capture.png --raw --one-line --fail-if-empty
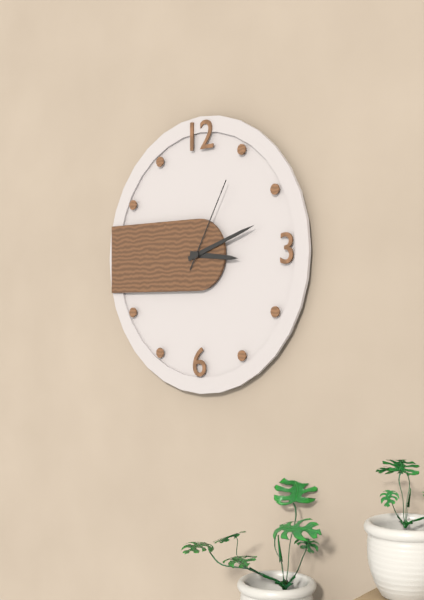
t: 3:12:05
